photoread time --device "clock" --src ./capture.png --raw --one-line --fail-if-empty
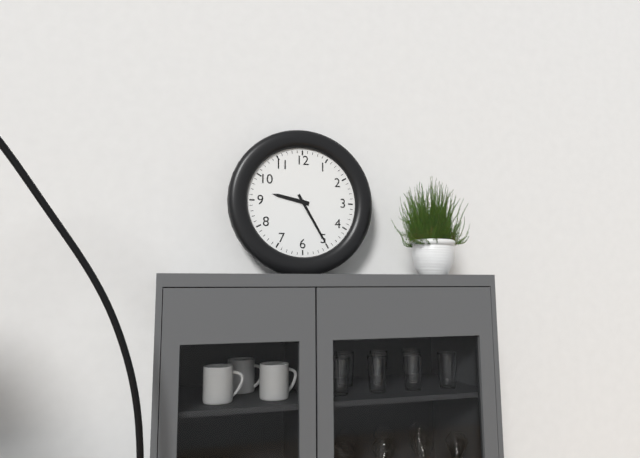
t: 9:25
